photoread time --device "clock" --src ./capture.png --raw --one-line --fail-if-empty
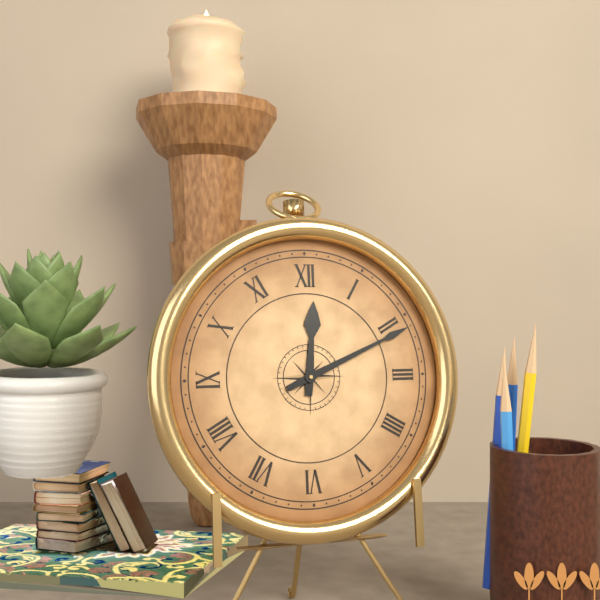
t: 12:11
